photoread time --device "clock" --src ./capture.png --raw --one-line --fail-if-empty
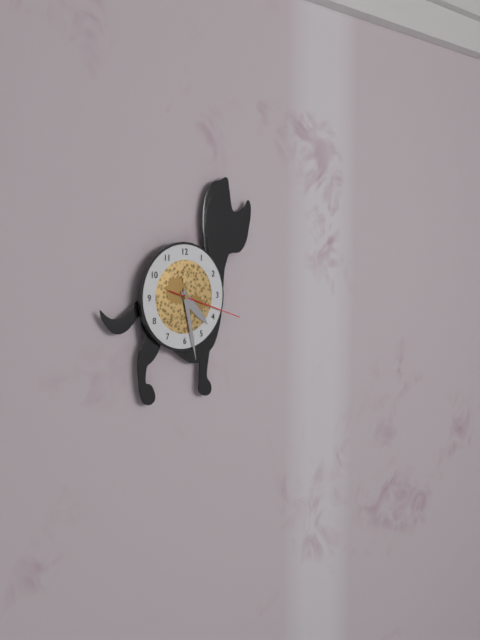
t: 4:28:18
